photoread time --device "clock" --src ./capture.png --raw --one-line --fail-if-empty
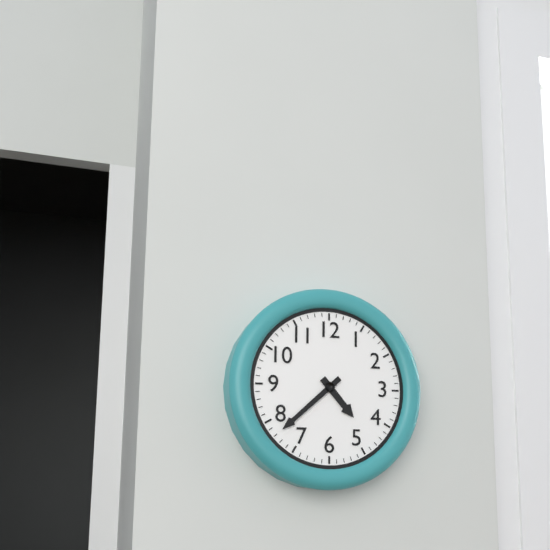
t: 4:38
